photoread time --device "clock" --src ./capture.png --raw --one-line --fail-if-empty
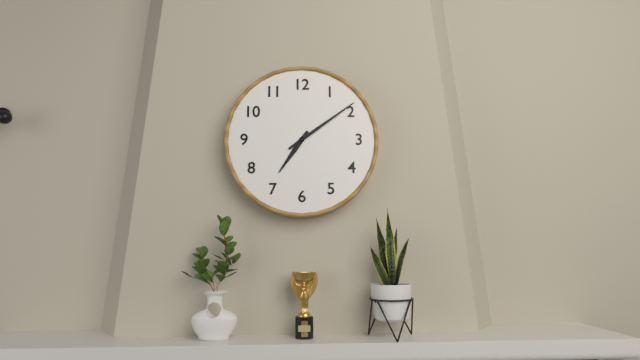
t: 7:09
